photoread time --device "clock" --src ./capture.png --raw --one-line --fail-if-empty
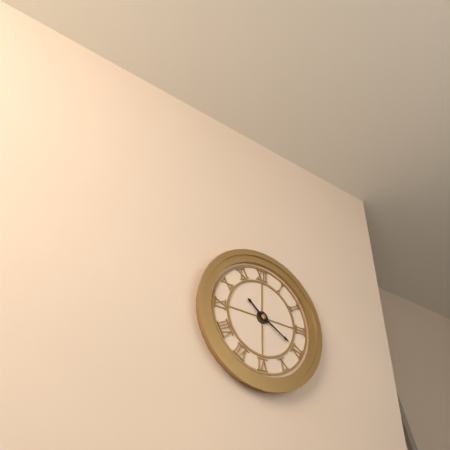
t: 10:20
